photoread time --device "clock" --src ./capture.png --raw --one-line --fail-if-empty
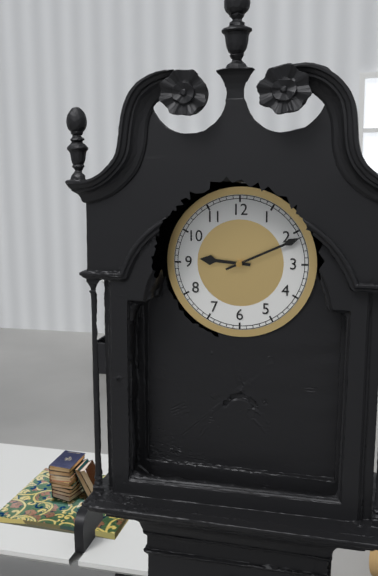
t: 9:11
